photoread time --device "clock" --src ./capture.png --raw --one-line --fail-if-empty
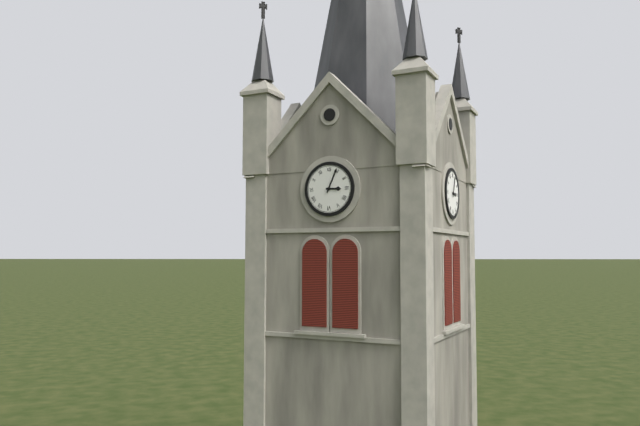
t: 3:04
